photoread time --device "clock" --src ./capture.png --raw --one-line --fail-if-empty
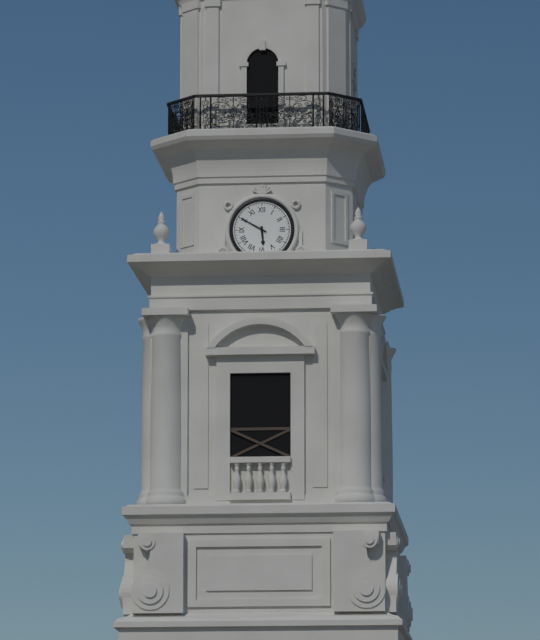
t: 5:50
